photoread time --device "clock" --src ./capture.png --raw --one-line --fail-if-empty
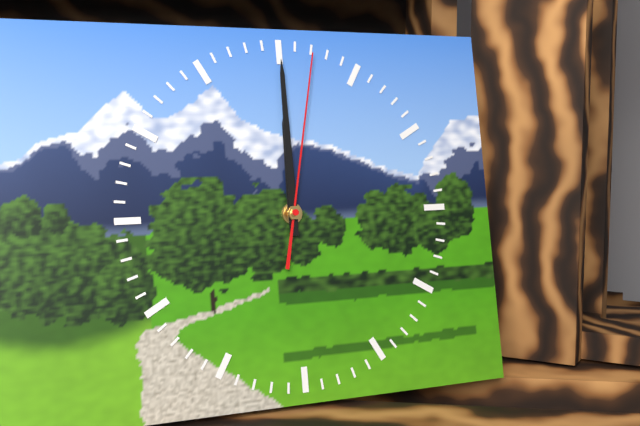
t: 12:00:02
